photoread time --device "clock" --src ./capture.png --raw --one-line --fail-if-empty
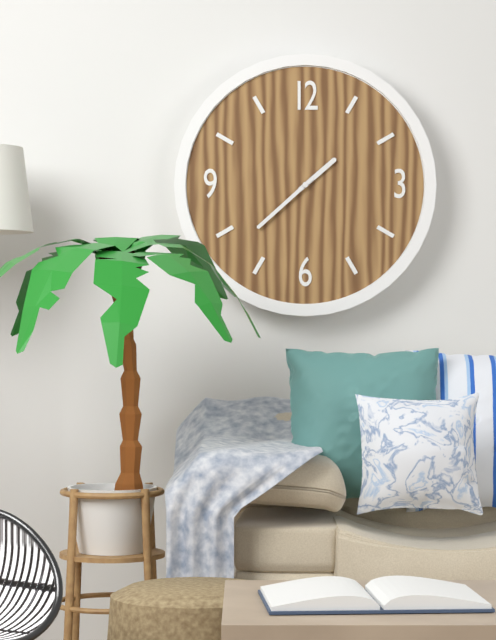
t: 1:38
